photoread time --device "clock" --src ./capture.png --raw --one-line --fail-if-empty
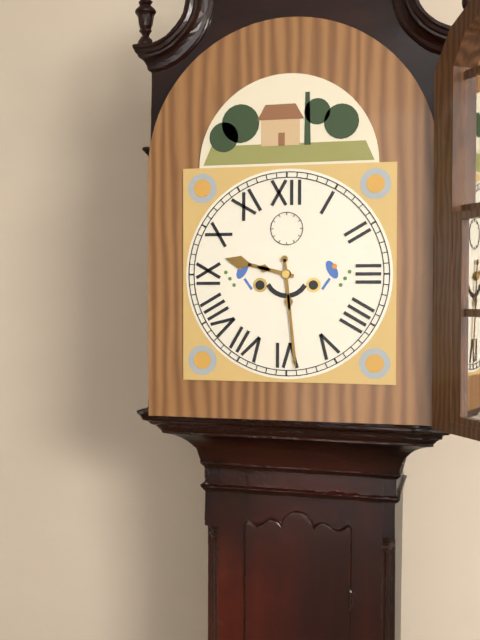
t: 9:29
